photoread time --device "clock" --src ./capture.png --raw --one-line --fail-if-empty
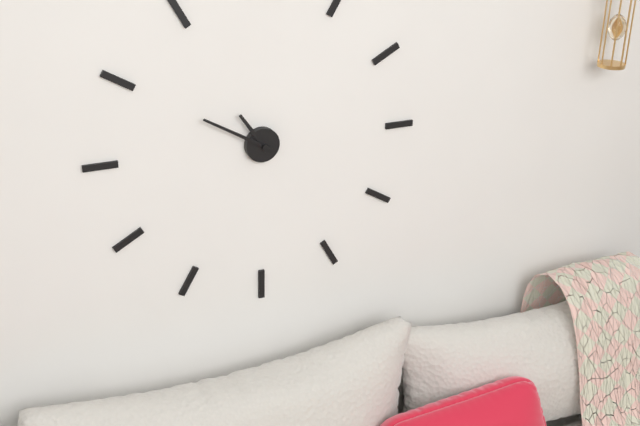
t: 10:50
